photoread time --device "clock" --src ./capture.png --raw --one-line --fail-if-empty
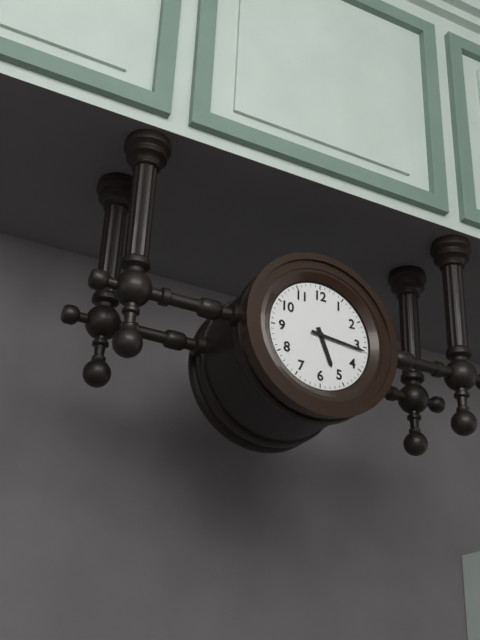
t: 5:16
